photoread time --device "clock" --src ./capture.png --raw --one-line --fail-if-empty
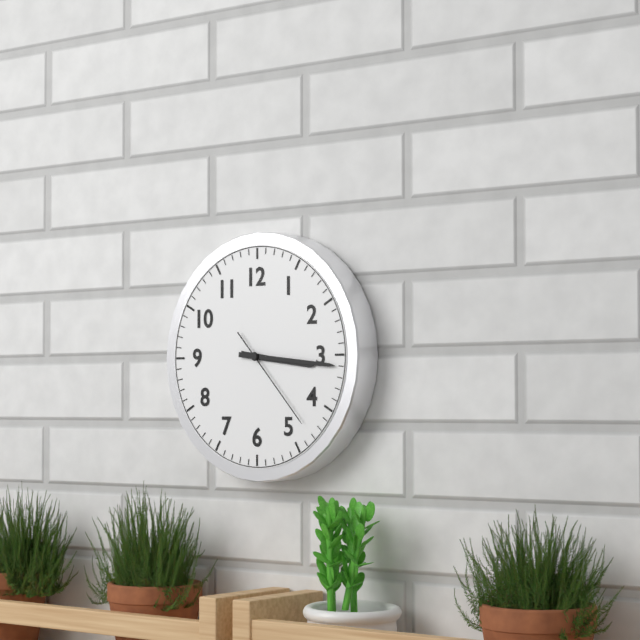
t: 3:16:23
